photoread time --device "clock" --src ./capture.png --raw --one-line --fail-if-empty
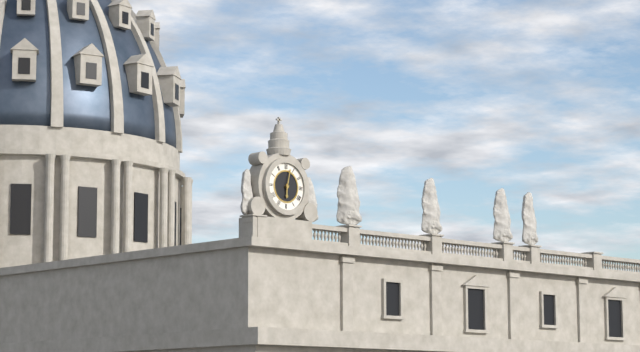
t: 6:02
